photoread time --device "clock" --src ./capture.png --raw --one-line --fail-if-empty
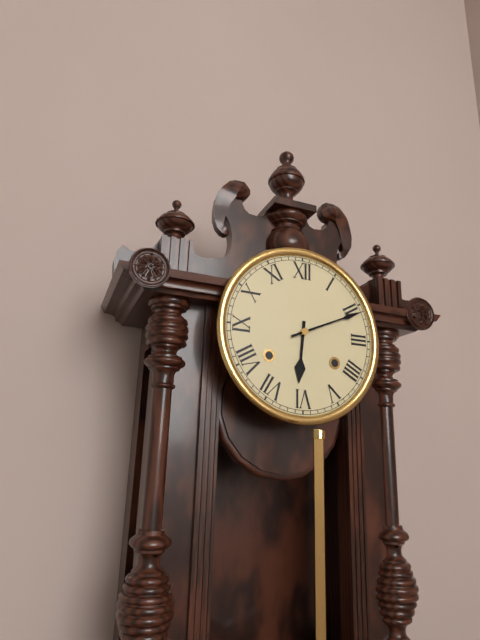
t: 6:11
